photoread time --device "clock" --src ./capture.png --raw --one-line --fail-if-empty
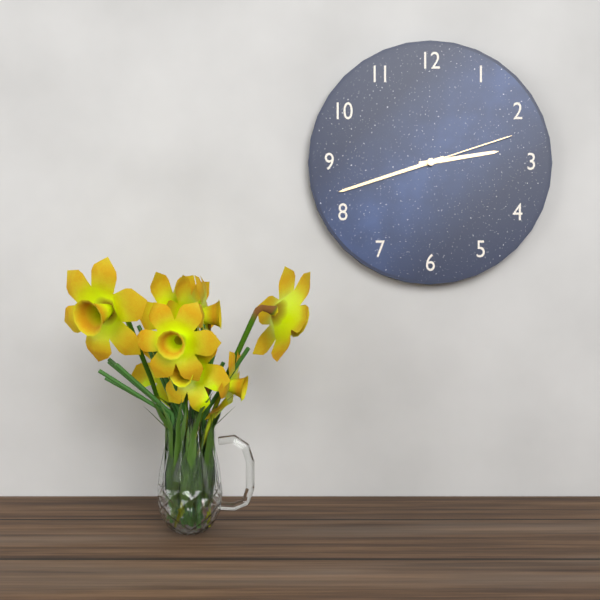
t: 2:42:12
